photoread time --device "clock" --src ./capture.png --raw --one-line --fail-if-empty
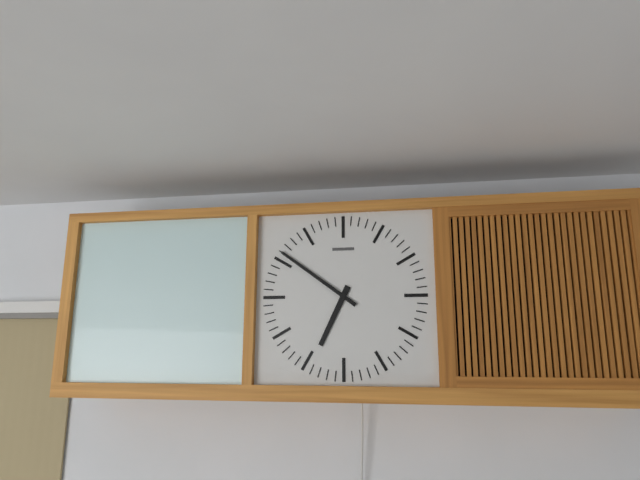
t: 6:51
